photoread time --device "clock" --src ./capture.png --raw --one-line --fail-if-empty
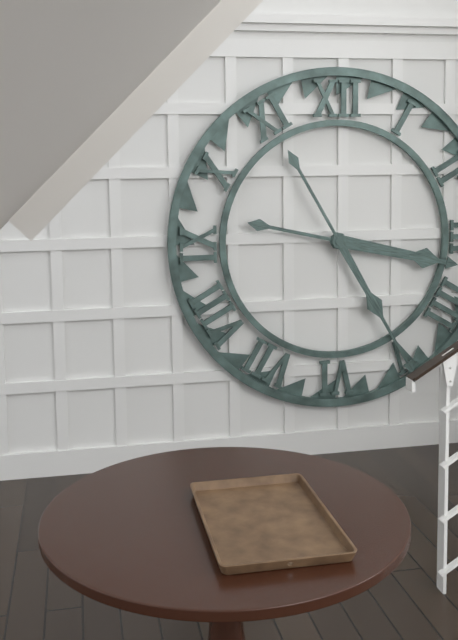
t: 3:25
